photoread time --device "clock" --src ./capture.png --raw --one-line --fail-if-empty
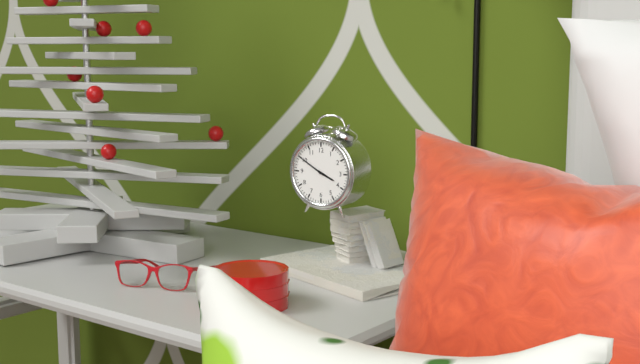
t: 3:50
